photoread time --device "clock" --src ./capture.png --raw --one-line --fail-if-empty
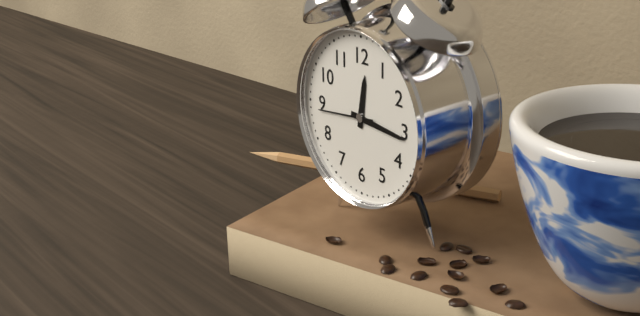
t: 12:16:44
